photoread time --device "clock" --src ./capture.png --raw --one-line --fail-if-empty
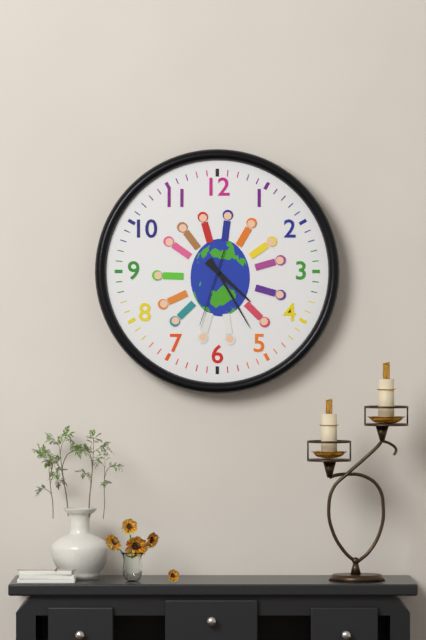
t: 4:25:33
